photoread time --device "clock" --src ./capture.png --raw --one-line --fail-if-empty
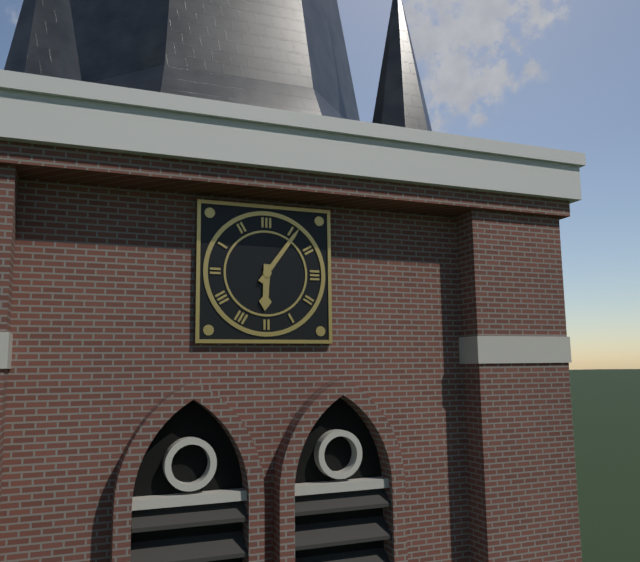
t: 6:06
